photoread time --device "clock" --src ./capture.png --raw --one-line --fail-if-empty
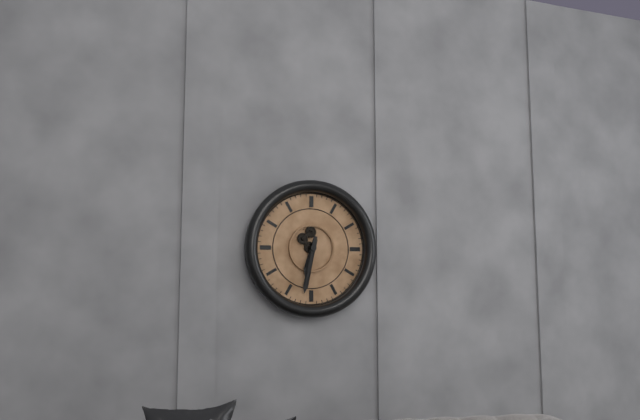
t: 6:32
